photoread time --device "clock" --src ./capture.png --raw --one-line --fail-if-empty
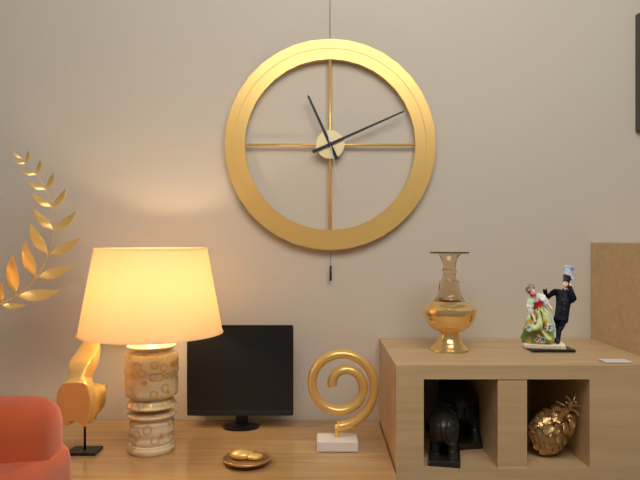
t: 11:11:28
